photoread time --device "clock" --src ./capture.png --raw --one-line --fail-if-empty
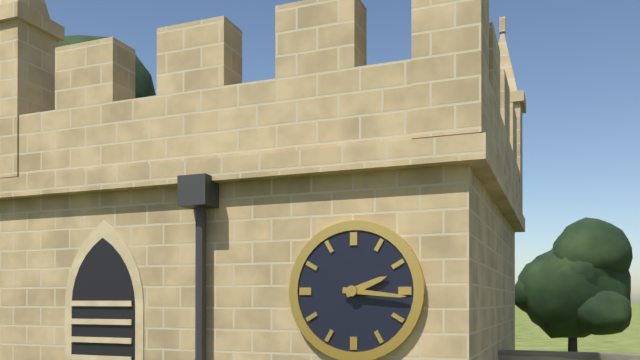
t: 2:16
